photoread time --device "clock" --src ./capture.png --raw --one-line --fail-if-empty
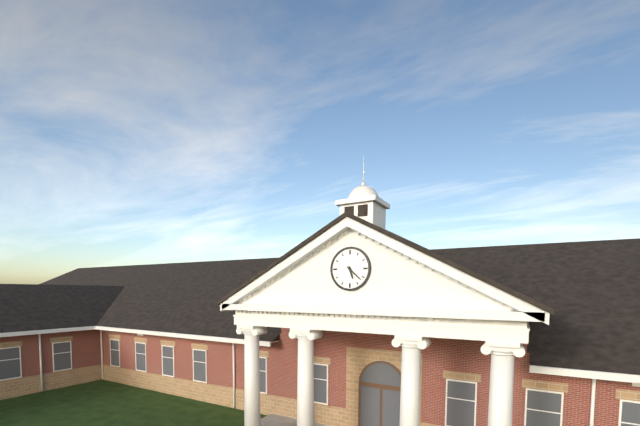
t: 5:22
